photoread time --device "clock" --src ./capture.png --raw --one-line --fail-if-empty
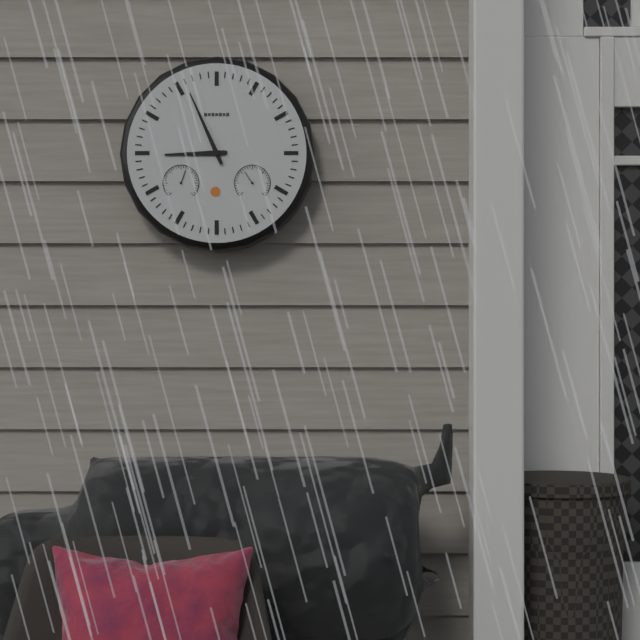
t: 8:56
